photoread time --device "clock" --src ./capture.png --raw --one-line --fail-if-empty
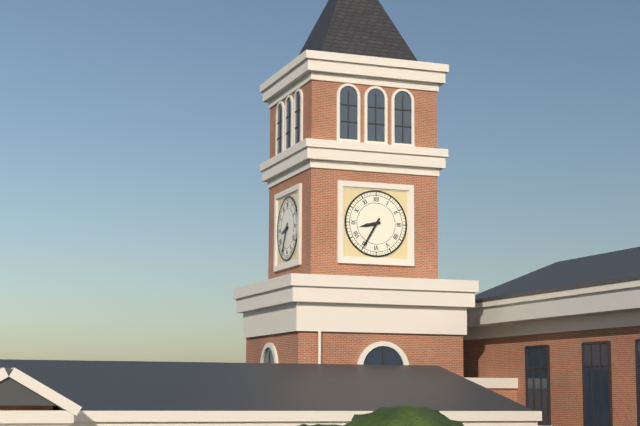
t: 8:35
